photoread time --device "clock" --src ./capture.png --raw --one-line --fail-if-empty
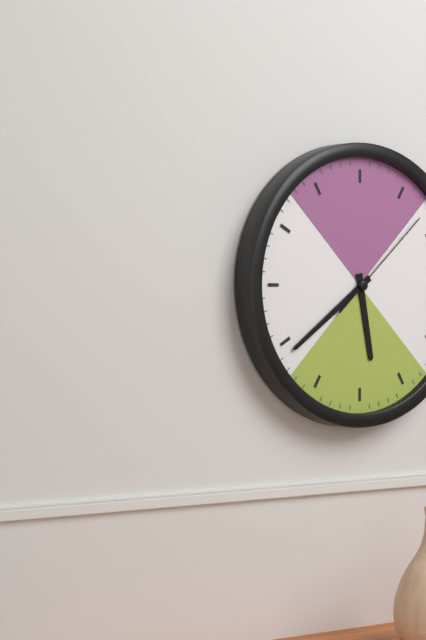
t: 5:39:08
